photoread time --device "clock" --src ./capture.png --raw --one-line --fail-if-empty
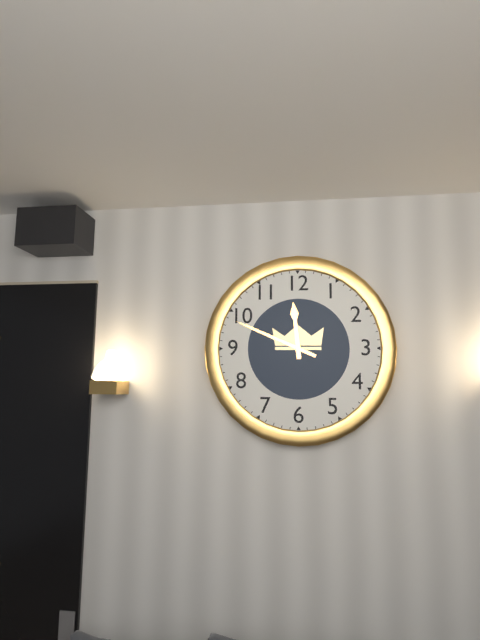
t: 11:49
